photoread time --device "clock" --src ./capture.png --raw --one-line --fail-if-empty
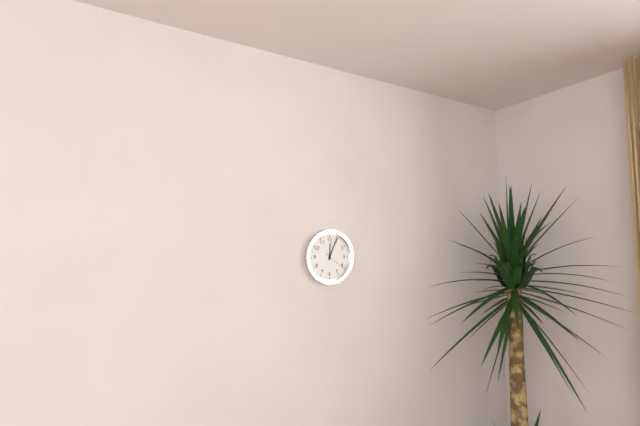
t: 12:04
